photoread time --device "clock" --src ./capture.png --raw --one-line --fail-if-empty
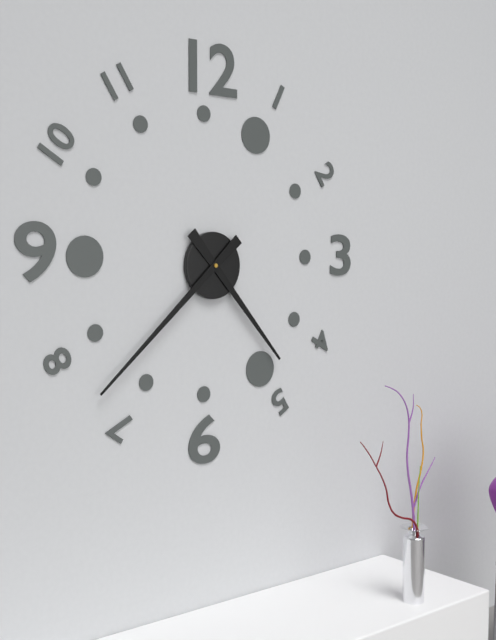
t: 4:38
